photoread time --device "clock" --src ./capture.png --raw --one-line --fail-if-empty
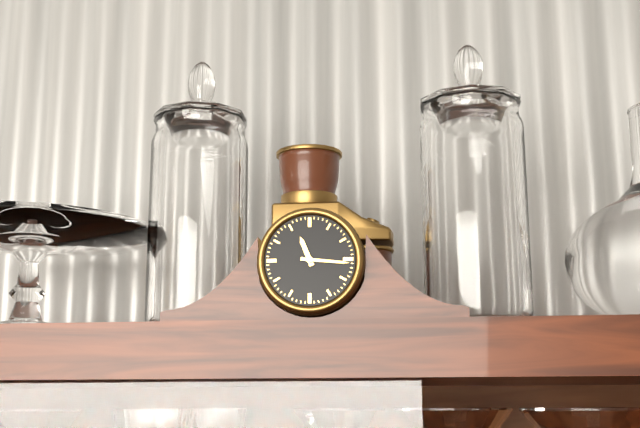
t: 11:16
